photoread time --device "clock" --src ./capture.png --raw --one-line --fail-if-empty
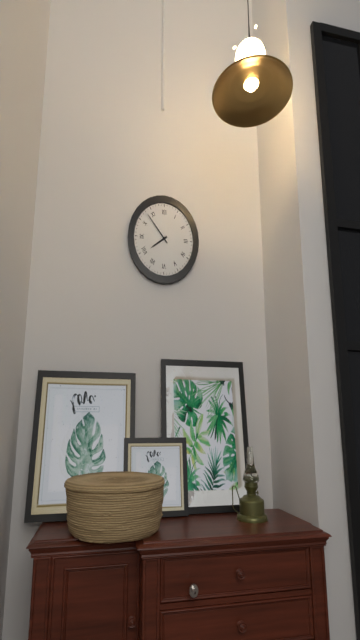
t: 7:53
